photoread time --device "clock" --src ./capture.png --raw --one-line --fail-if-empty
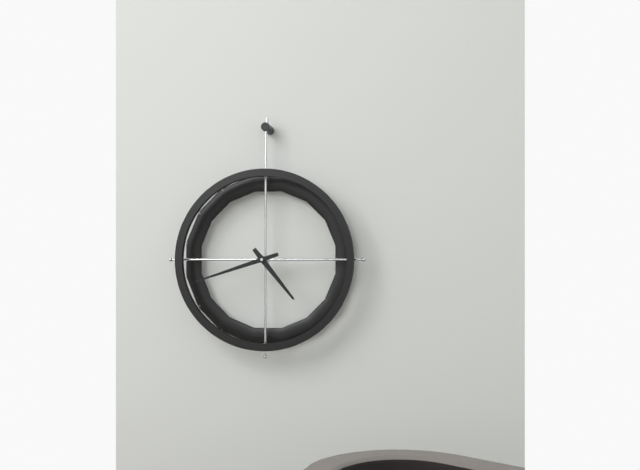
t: 4:42
